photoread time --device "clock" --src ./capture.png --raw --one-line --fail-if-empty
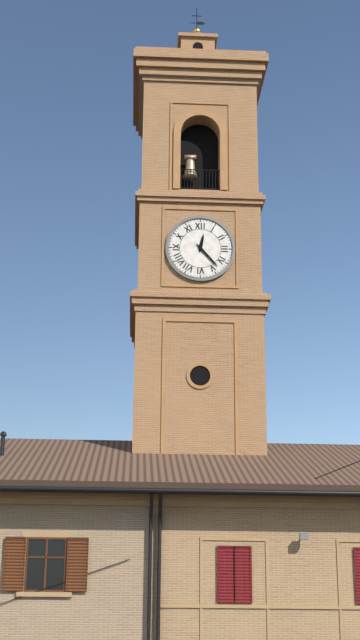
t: 12:23
